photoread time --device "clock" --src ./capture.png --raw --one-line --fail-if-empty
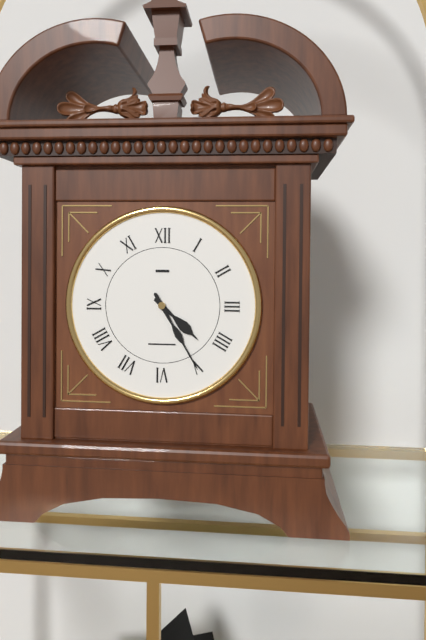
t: 4:25
